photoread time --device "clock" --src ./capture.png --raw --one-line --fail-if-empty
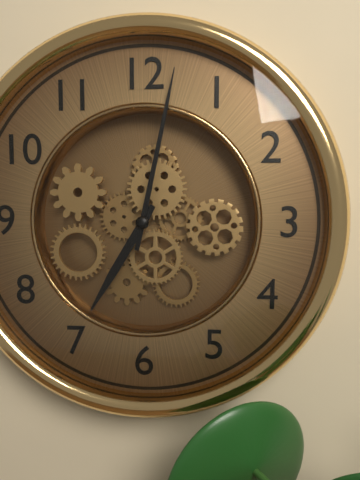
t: 7:02
